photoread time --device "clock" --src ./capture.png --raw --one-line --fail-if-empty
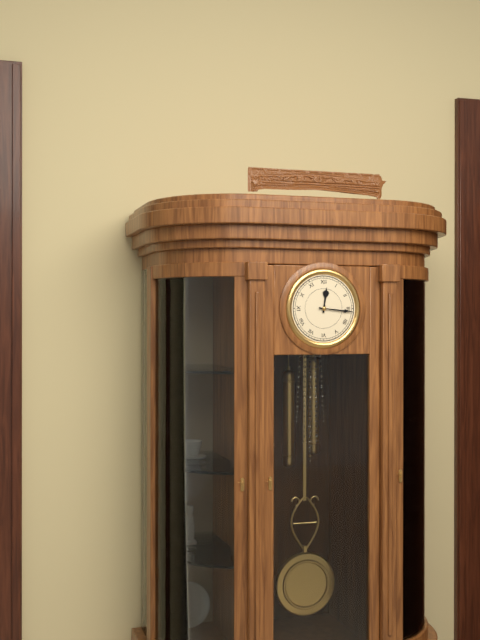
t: 12:16
